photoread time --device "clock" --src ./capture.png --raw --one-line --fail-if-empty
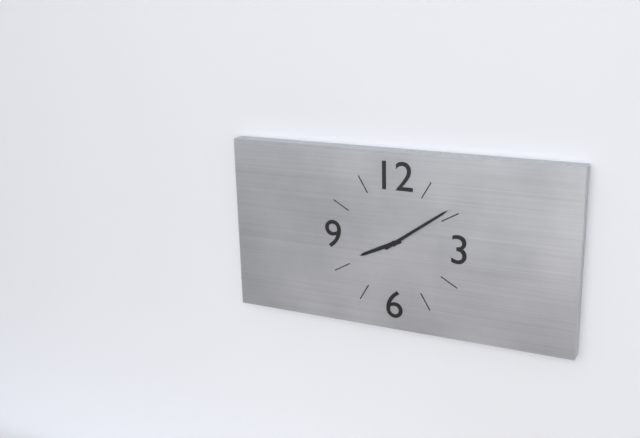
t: 8:09
